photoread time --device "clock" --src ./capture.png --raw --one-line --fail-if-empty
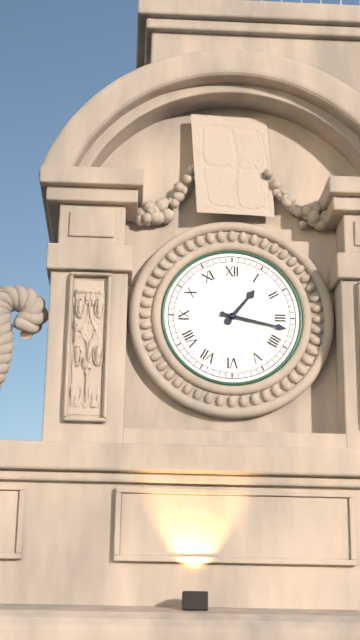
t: 1:17
